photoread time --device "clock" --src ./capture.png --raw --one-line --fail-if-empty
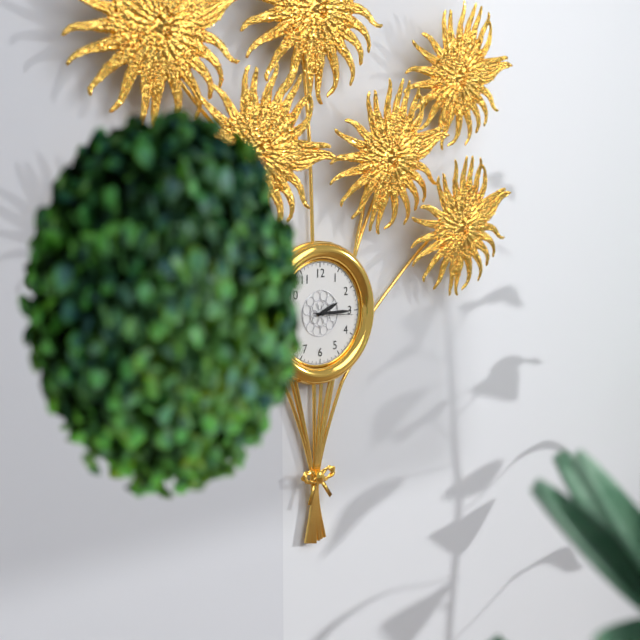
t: 2:15
